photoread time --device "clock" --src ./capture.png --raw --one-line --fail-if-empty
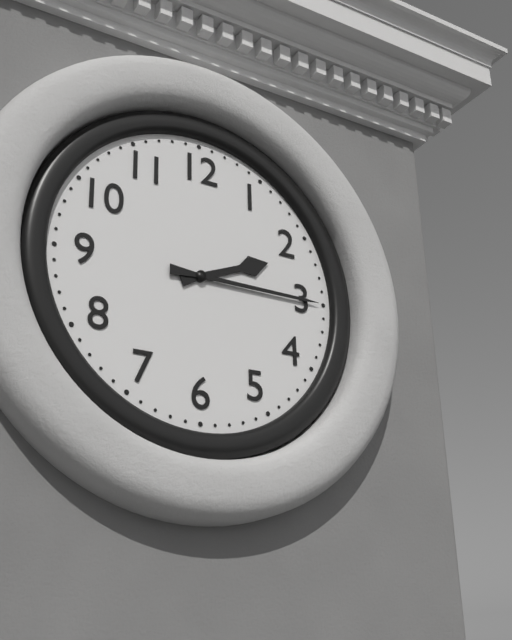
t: 2:15
